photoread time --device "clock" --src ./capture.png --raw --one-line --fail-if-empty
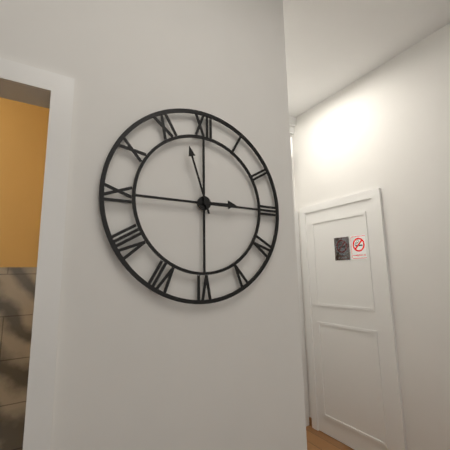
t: 2:57
